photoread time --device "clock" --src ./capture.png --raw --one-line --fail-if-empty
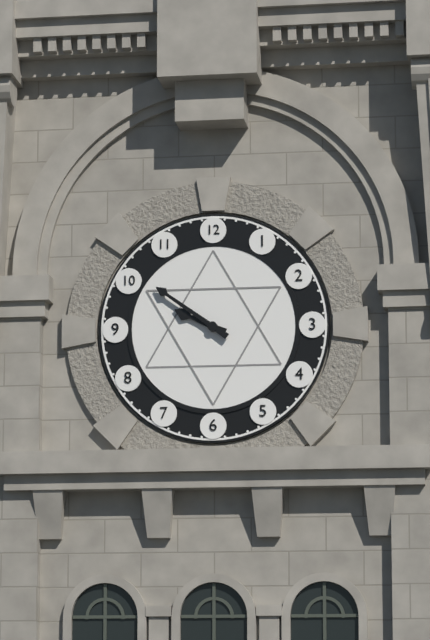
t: 9:51
